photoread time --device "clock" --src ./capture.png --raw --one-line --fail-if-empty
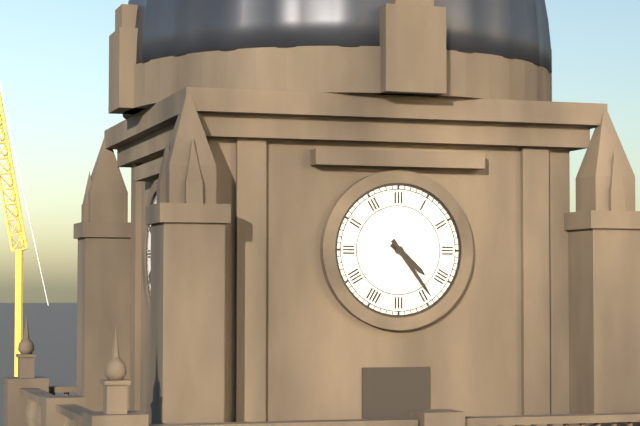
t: 4:24
